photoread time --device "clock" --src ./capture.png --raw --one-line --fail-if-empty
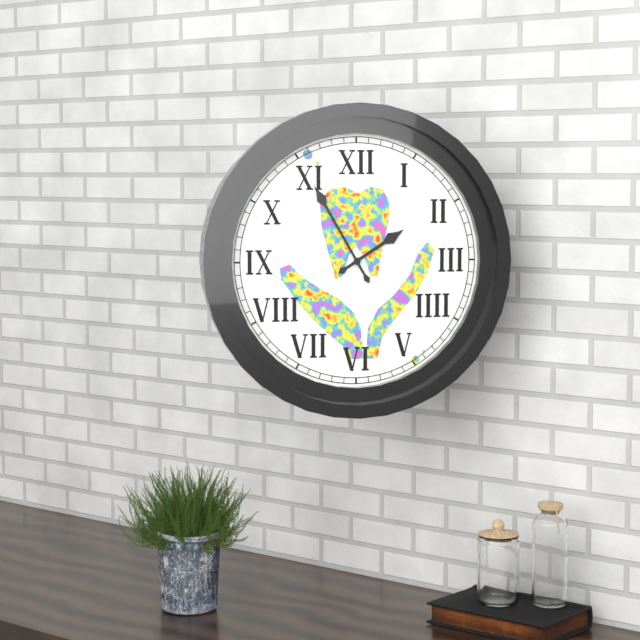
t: 1:55
